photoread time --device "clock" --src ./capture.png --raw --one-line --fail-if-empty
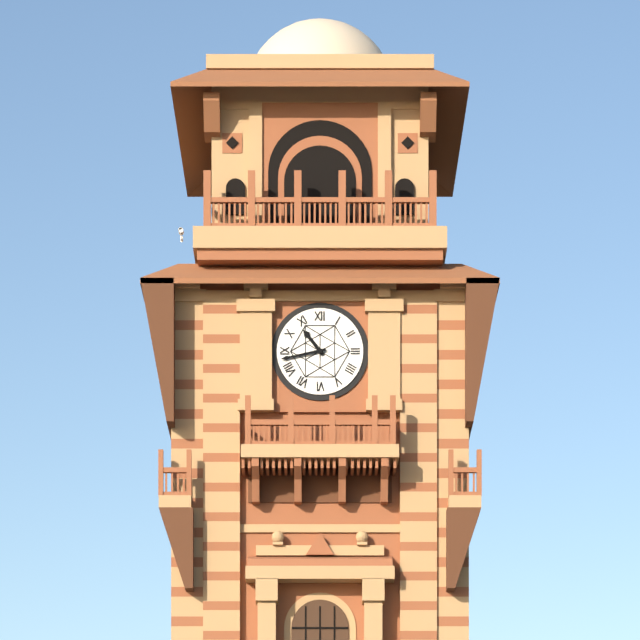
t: 10:43
